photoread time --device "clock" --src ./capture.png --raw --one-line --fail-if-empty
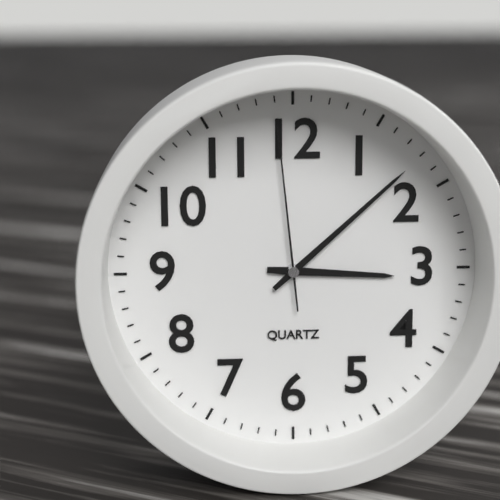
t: 3:08:59
